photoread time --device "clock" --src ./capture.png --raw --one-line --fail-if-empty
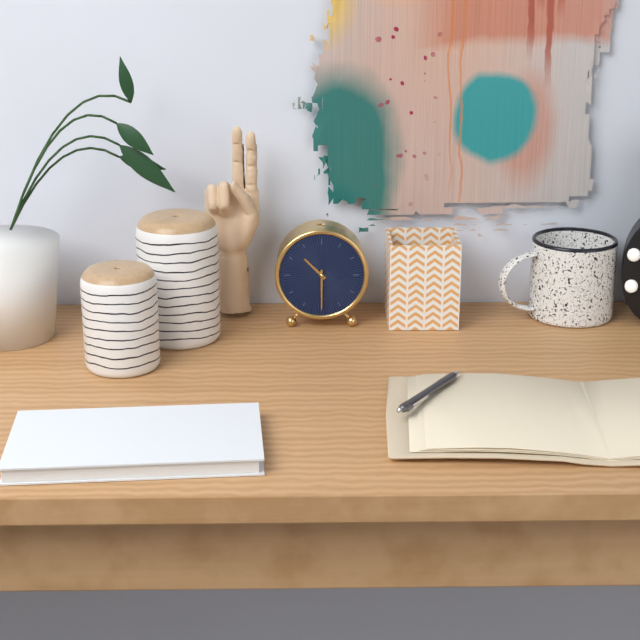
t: 10:30
